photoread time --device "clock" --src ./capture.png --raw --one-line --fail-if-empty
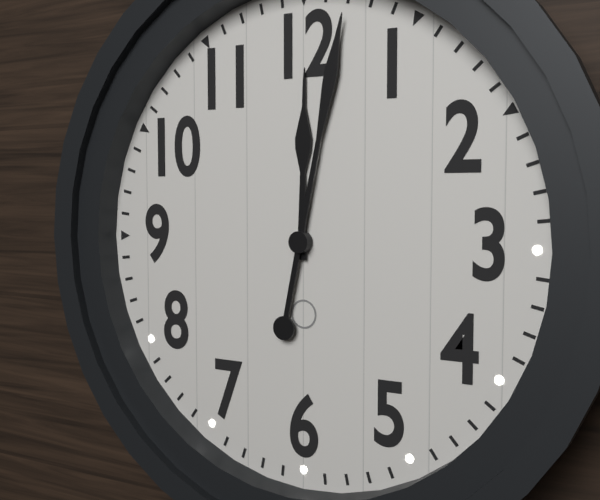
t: 12:02
